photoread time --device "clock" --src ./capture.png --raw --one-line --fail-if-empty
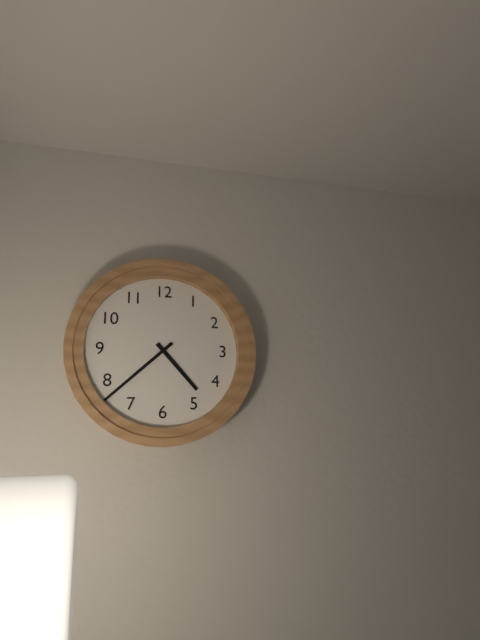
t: 4:38
